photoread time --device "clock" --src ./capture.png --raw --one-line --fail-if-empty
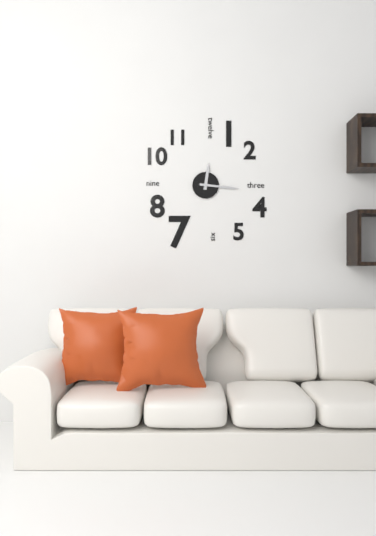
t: 12:16
